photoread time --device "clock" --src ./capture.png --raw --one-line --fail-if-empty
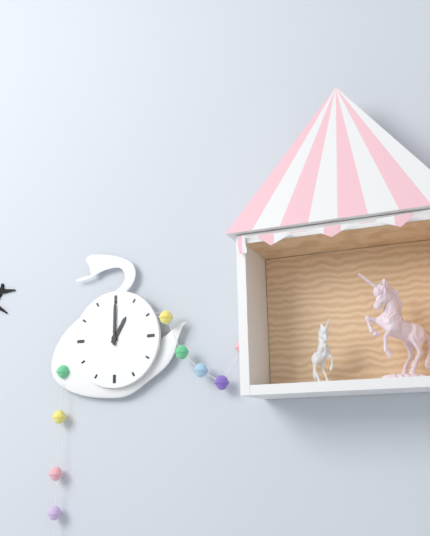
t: 1:00
